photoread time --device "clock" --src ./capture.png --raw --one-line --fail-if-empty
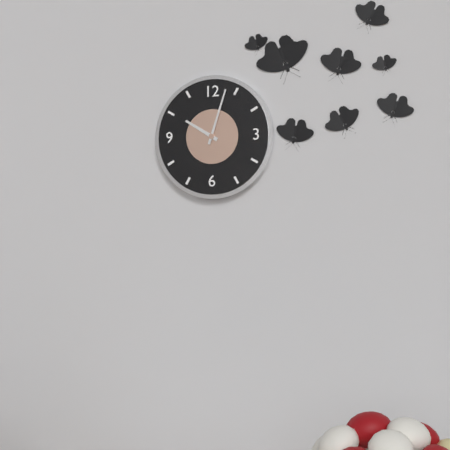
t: 10:03
